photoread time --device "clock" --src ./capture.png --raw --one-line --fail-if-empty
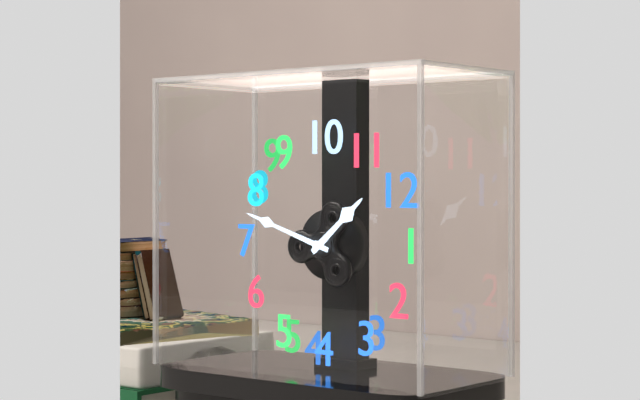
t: 11:38
